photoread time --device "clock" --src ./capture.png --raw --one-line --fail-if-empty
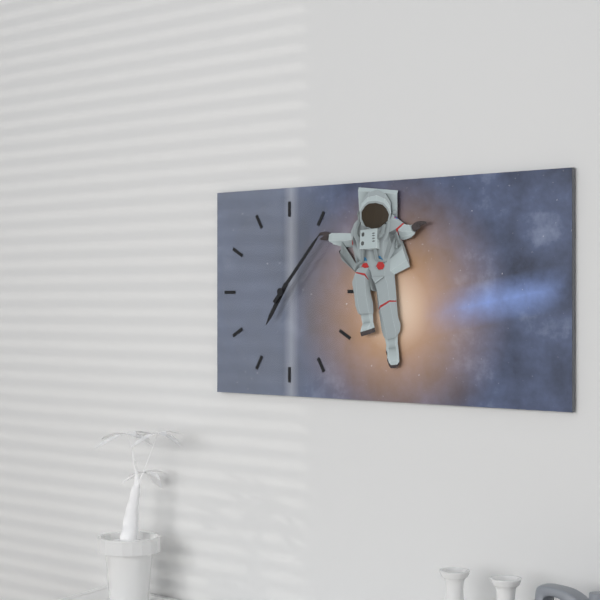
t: 7:07
